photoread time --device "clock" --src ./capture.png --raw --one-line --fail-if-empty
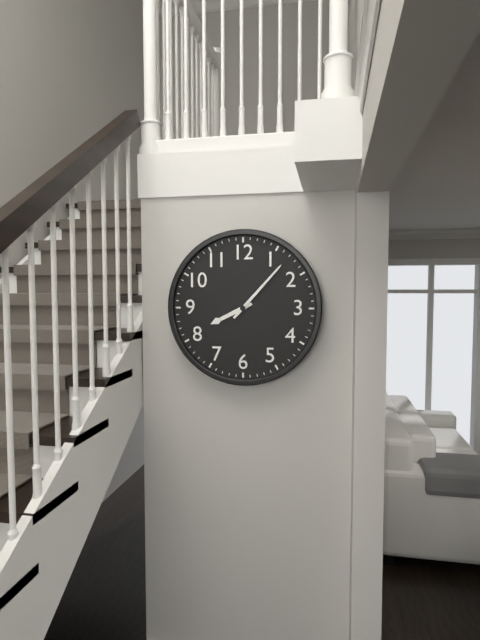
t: 8:07
